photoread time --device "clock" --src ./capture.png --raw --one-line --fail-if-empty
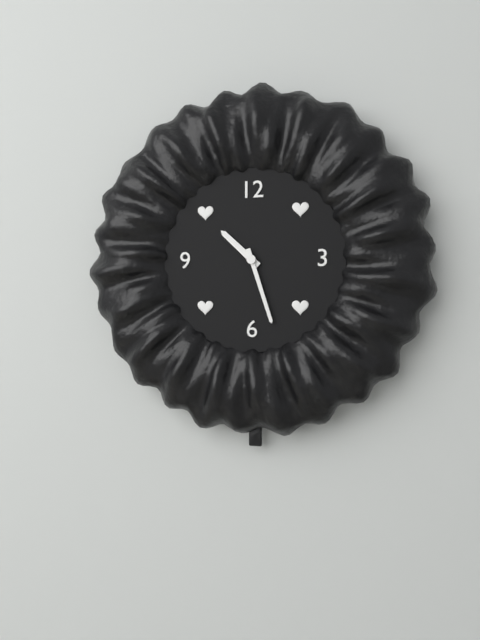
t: 10:27
